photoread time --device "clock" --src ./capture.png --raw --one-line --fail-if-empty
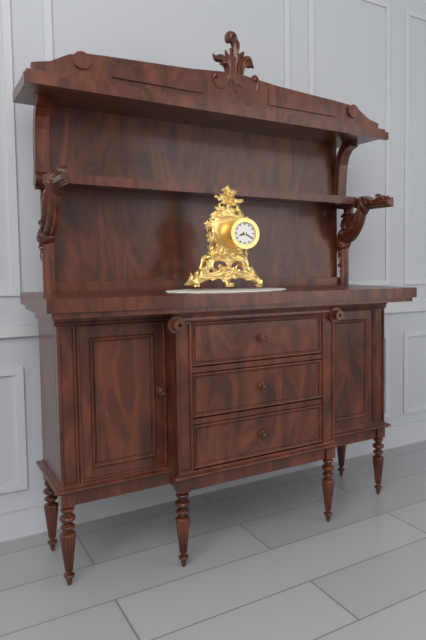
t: 8:20
